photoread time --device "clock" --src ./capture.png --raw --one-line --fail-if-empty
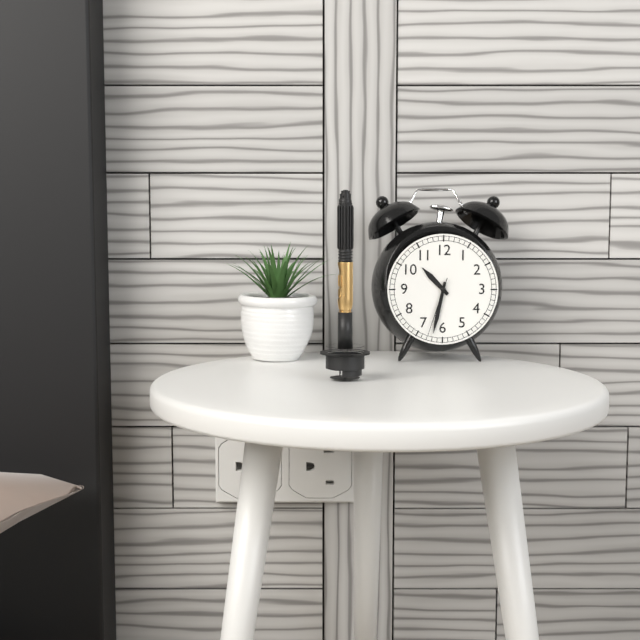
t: 10:32:33
